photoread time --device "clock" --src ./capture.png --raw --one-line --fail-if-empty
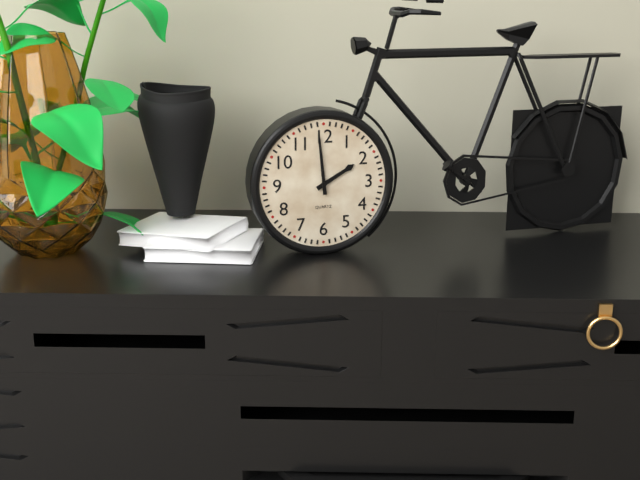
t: 1:59
